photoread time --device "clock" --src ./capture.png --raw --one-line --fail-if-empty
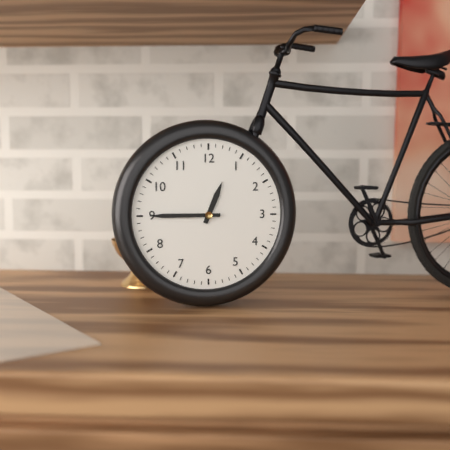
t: 12:45
